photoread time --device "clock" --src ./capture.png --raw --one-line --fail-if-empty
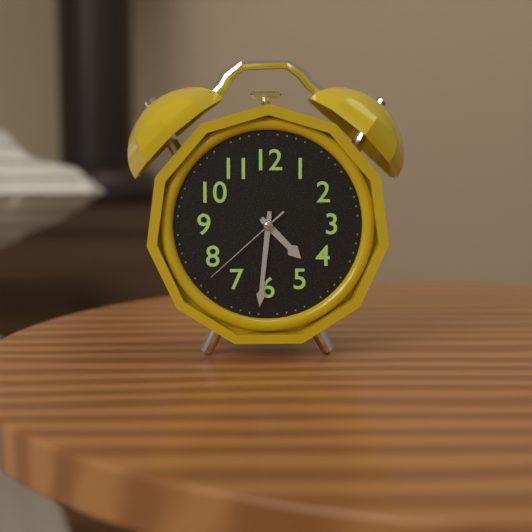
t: 4:31:38
